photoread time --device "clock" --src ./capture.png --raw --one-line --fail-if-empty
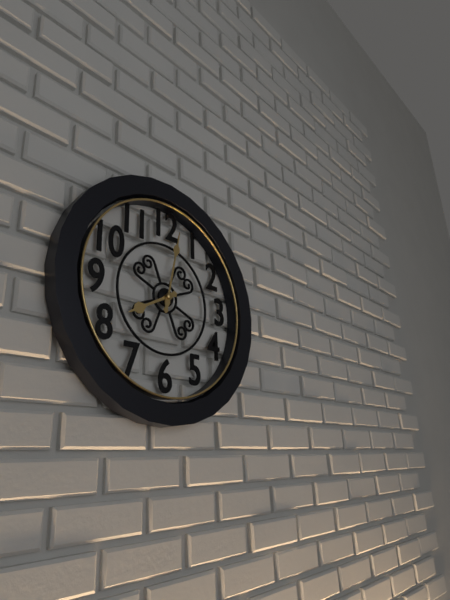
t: 8:02
